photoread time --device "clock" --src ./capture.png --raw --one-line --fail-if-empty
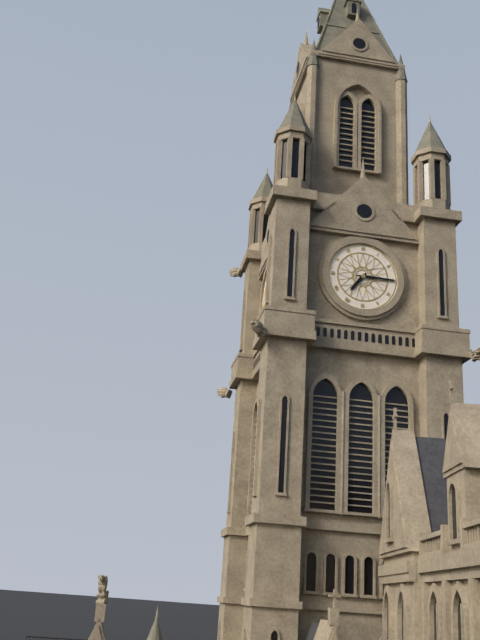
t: 7:15
